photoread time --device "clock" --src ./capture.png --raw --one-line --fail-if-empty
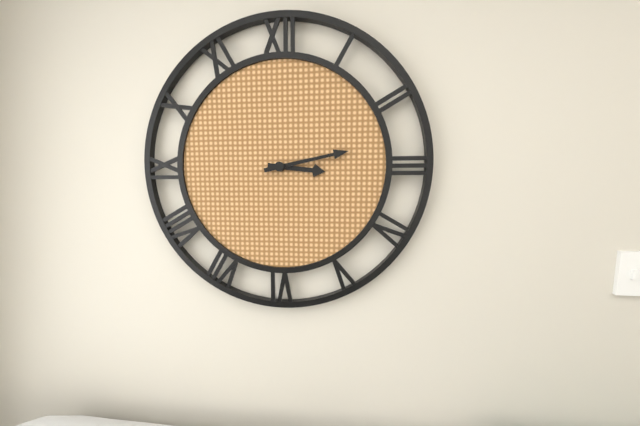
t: 3:13
